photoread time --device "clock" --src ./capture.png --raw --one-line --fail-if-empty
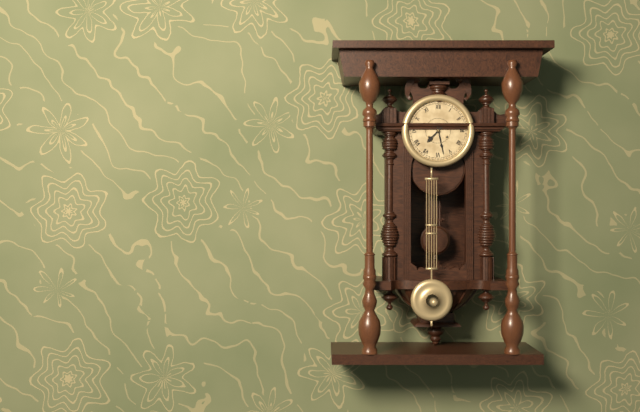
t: 7:28
